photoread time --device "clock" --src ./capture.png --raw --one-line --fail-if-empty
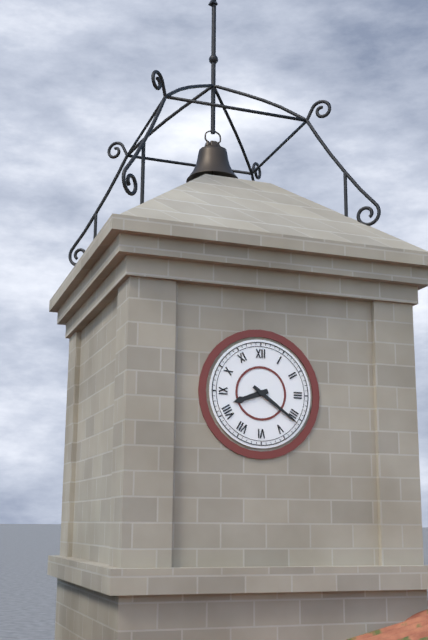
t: 8:21
